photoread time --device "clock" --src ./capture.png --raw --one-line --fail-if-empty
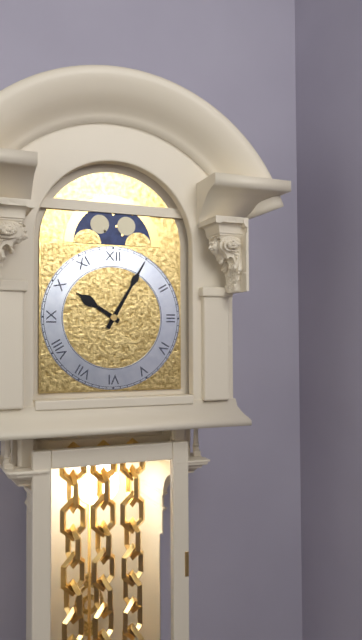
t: 10:05
